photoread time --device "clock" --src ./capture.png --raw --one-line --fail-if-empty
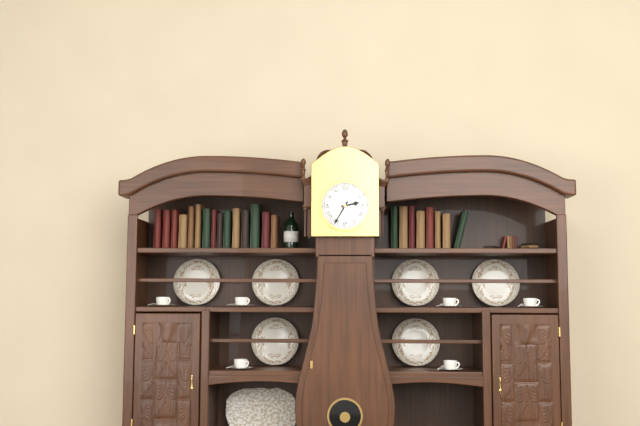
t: 2:35
